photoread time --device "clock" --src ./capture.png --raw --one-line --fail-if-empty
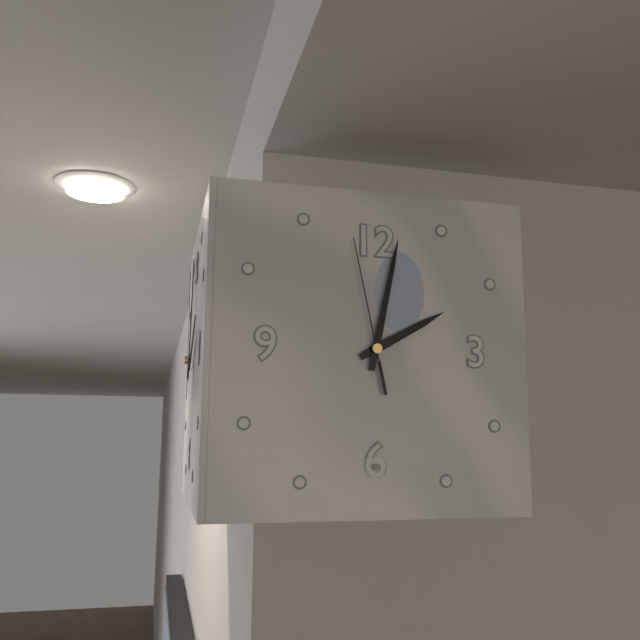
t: 2:02:58
